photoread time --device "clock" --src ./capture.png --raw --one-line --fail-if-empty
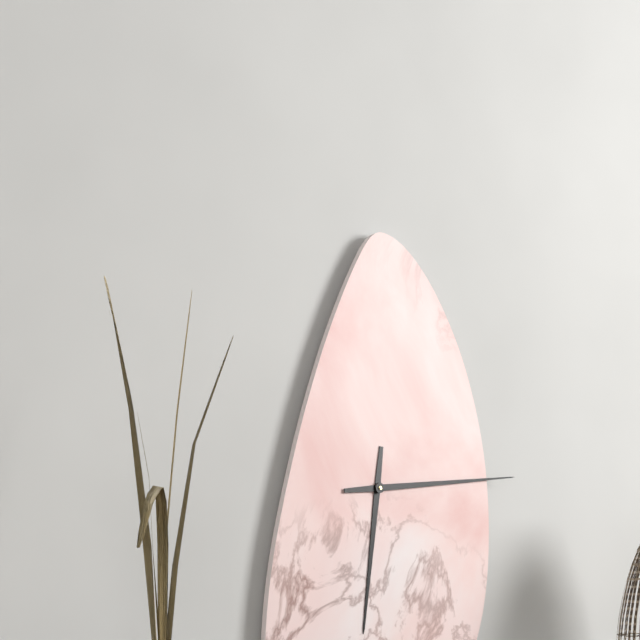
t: 6:14
